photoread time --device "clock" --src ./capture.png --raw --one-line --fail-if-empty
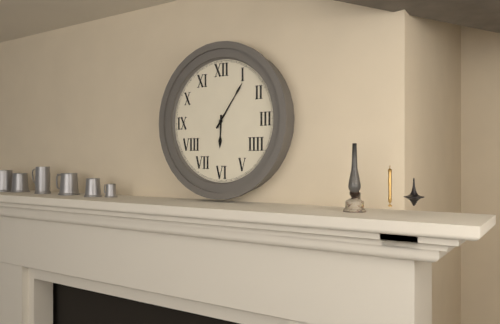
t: 6:06
